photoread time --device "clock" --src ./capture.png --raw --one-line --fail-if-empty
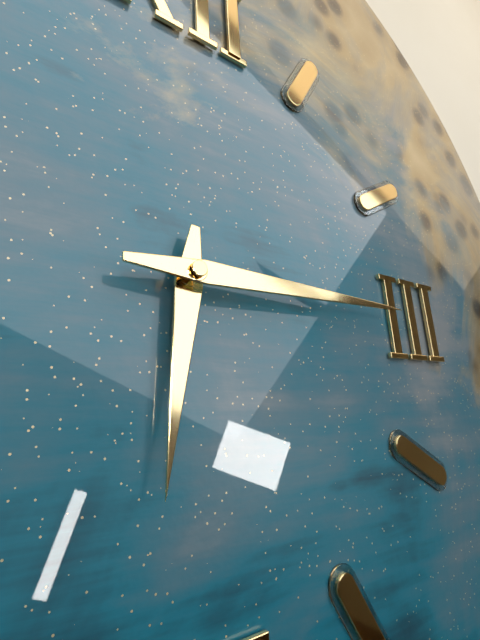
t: 6:15
